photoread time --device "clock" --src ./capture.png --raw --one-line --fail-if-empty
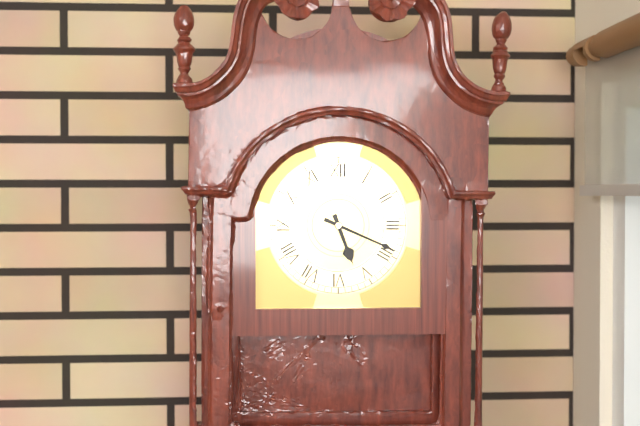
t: 5:19
